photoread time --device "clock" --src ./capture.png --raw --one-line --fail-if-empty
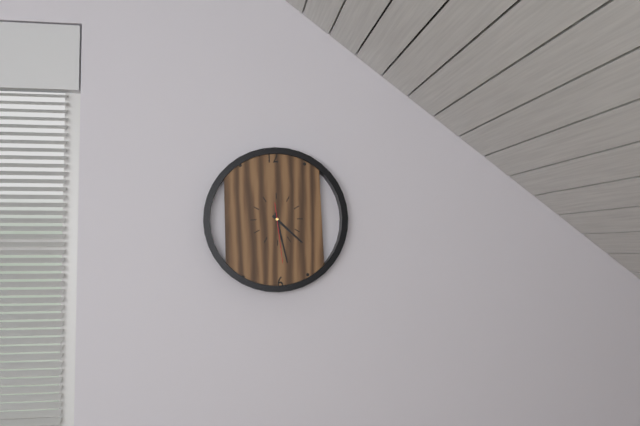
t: 4:28:29
